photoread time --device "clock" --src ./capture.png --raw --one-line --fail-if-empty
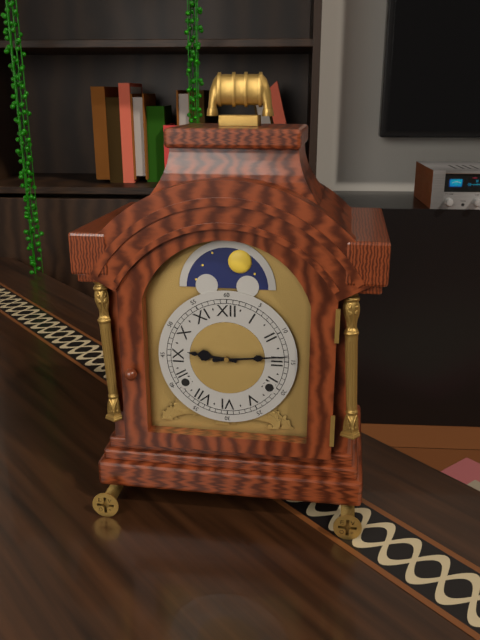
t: 9:14
